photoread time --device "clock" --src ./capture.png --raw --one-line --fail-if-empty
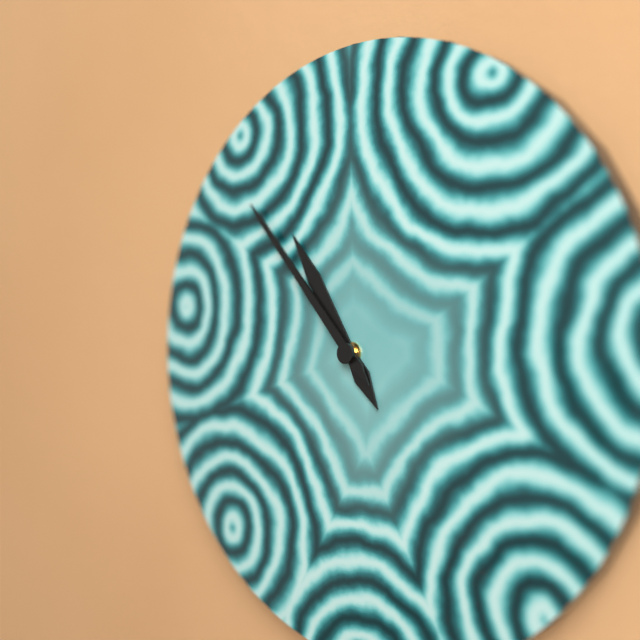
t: 10:53
